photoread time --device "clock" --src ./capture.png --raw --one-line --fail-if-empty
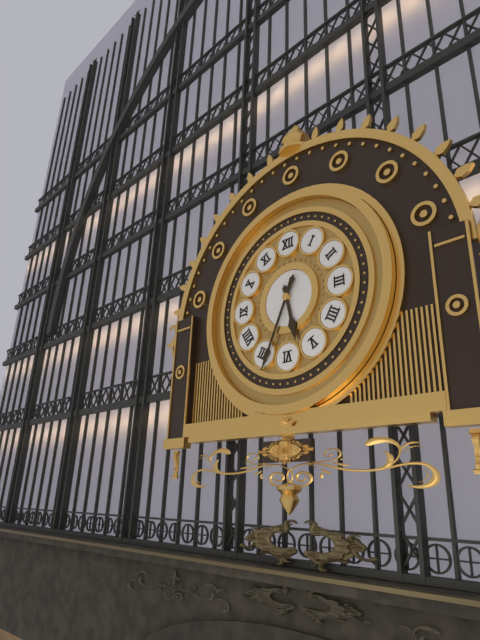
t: 5:34
